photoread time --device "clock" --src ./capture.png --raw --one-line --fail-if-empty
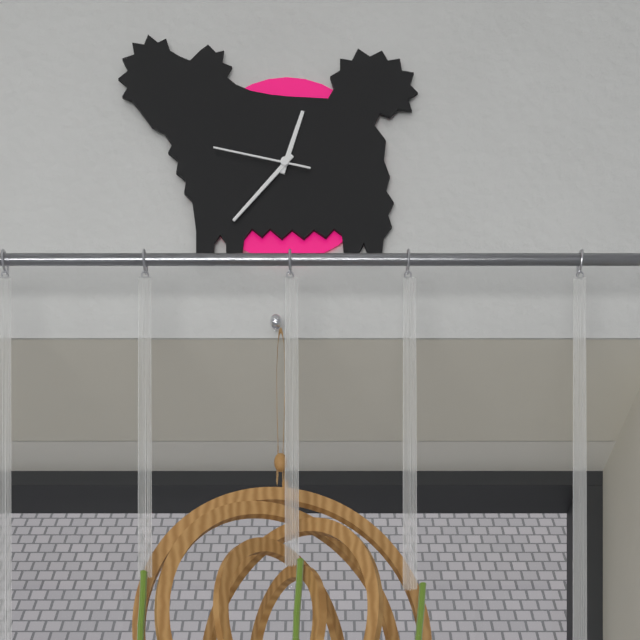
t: 12:37:47
